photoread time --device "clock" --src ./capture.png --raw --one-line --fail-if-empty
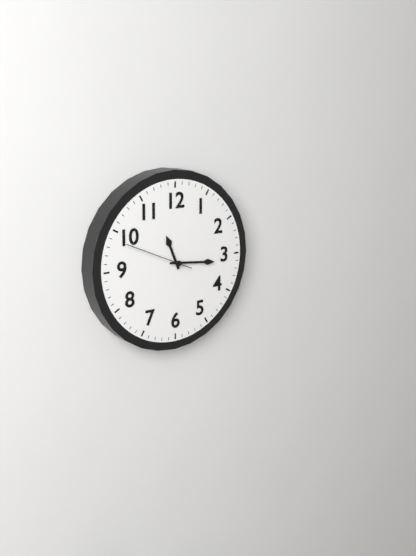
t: 11:16:49
